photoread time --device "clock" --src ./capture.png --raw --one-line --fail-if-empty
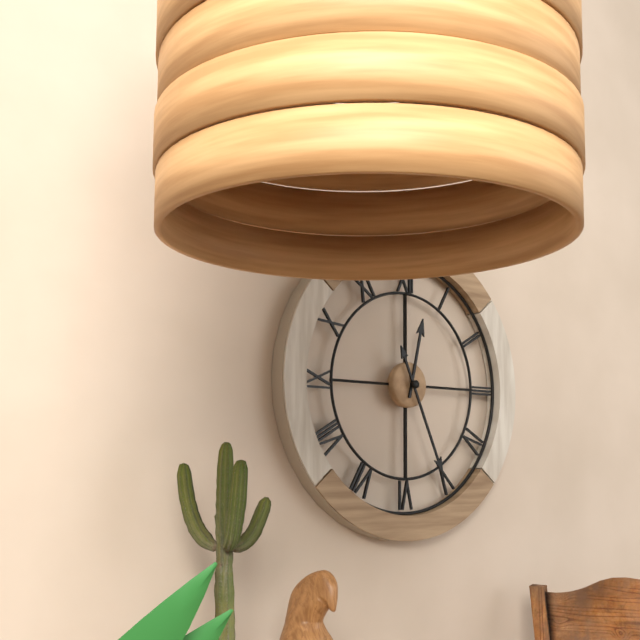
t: 12:26
